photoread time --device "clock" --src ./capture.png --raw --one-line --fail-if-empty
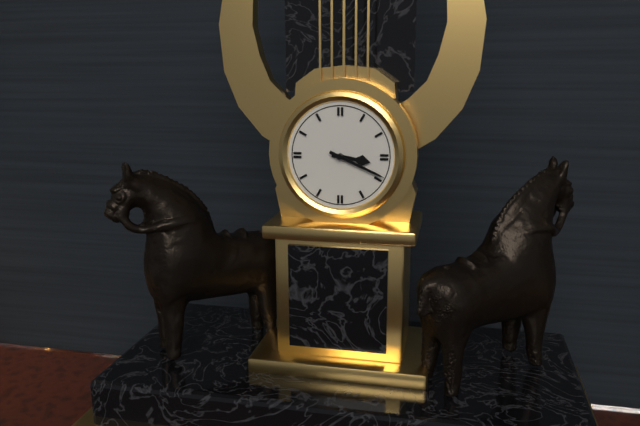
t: 3:19
